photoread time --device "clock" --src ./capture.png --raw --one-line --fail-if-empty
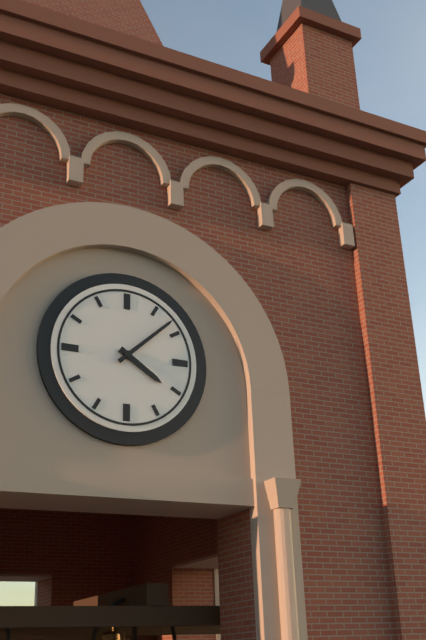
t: 4:08
